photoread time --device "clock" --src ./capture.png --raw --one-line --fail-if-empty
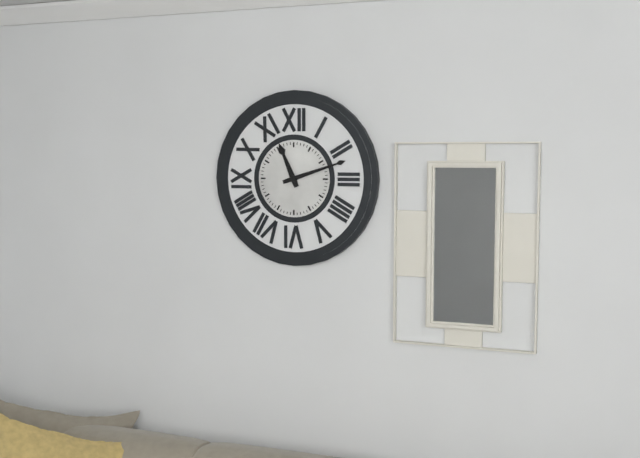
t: 11:12
